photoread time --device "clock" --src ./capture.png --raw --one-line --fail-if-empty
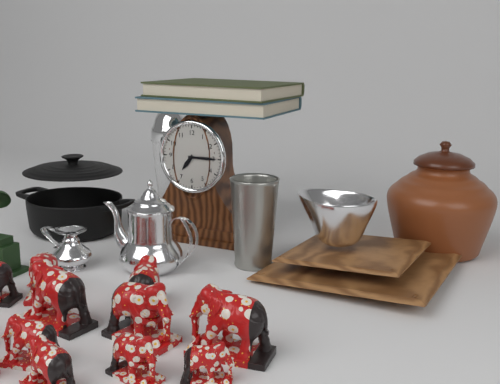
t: 7:15
